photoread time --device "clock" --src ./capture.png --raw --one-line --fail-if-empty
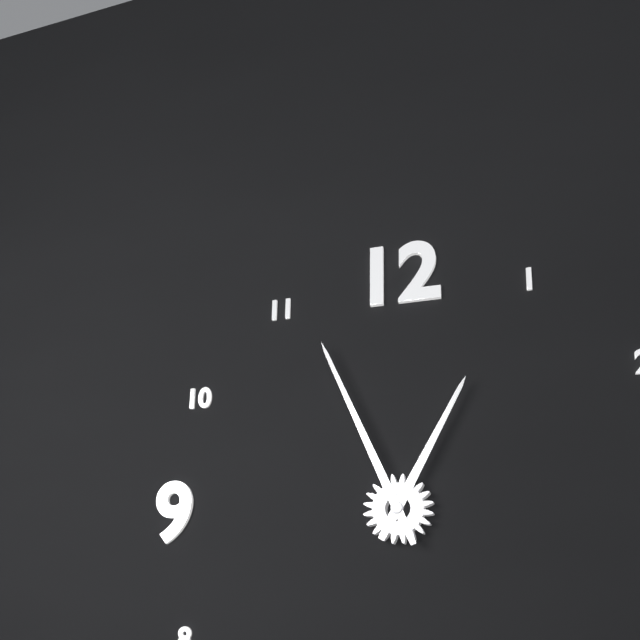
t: 12:56
